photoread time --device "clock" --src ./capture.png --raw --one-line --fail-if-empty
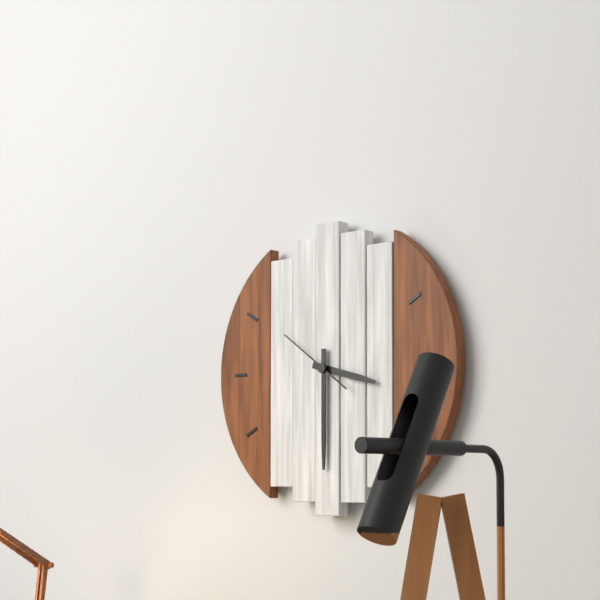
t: 3:30:51
